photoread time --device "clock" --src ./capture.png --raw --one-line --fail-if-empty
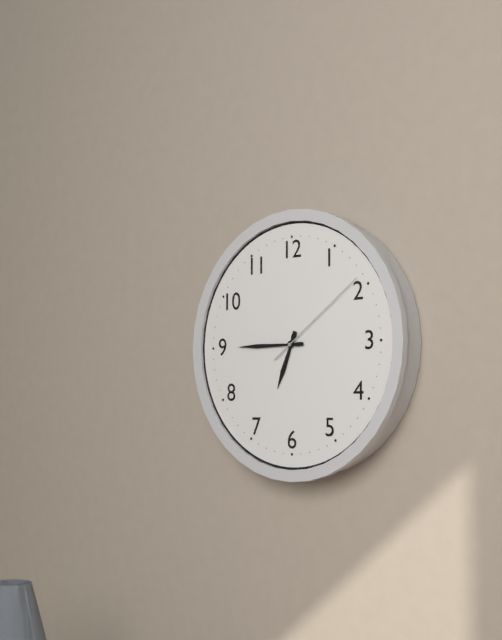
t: 6:45:09
